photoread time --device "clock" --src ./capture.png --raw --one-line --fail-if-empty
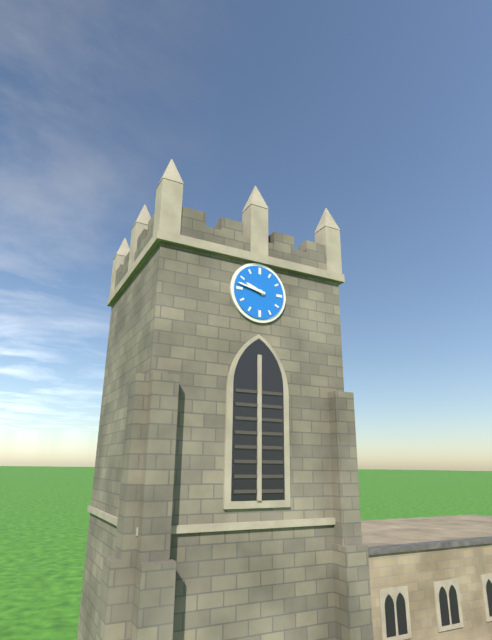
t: 9:47
